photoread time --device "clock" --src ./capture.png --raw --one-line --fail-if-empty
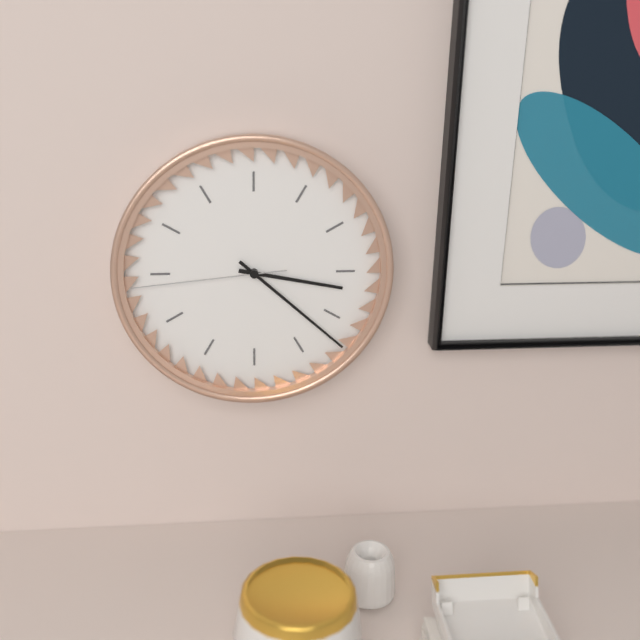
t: 3:22:44
